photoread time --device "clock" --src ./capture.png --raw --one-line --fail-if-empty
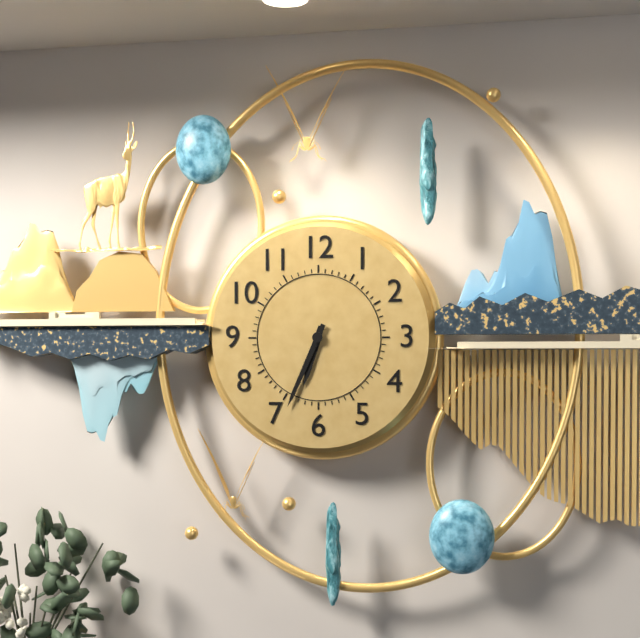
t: 6:34
